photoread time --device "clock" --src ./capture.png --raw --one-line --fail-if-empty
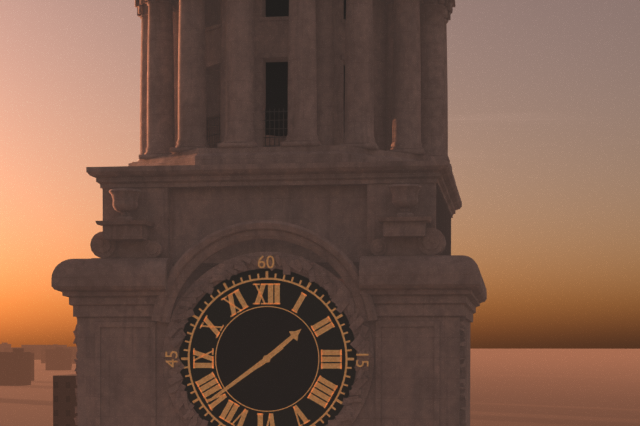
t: 1:39
